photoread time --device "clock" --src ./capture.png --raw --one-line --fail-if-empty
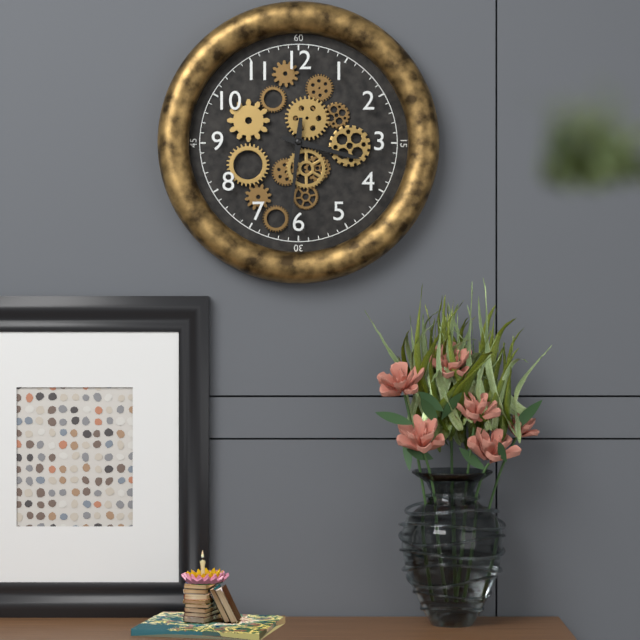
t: 3:31
